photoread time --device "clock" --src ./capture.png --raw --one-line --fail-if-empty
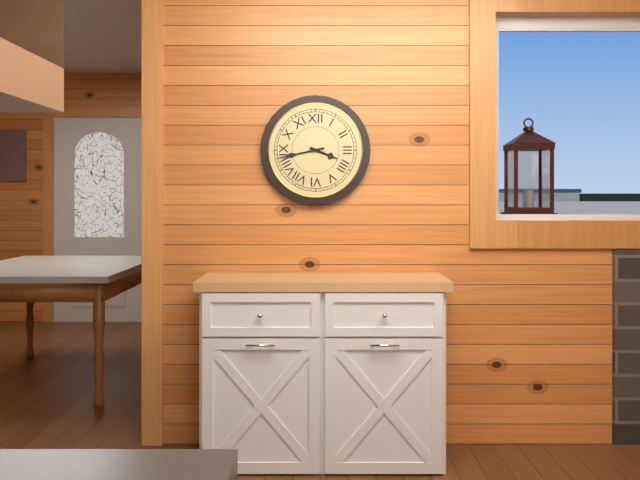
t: 3:43
